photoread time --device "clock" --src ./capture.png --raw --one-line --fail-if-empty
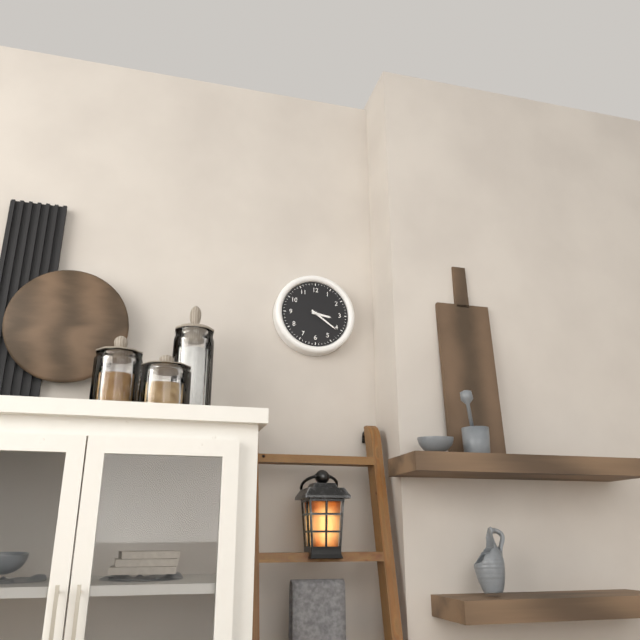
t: 3:21
